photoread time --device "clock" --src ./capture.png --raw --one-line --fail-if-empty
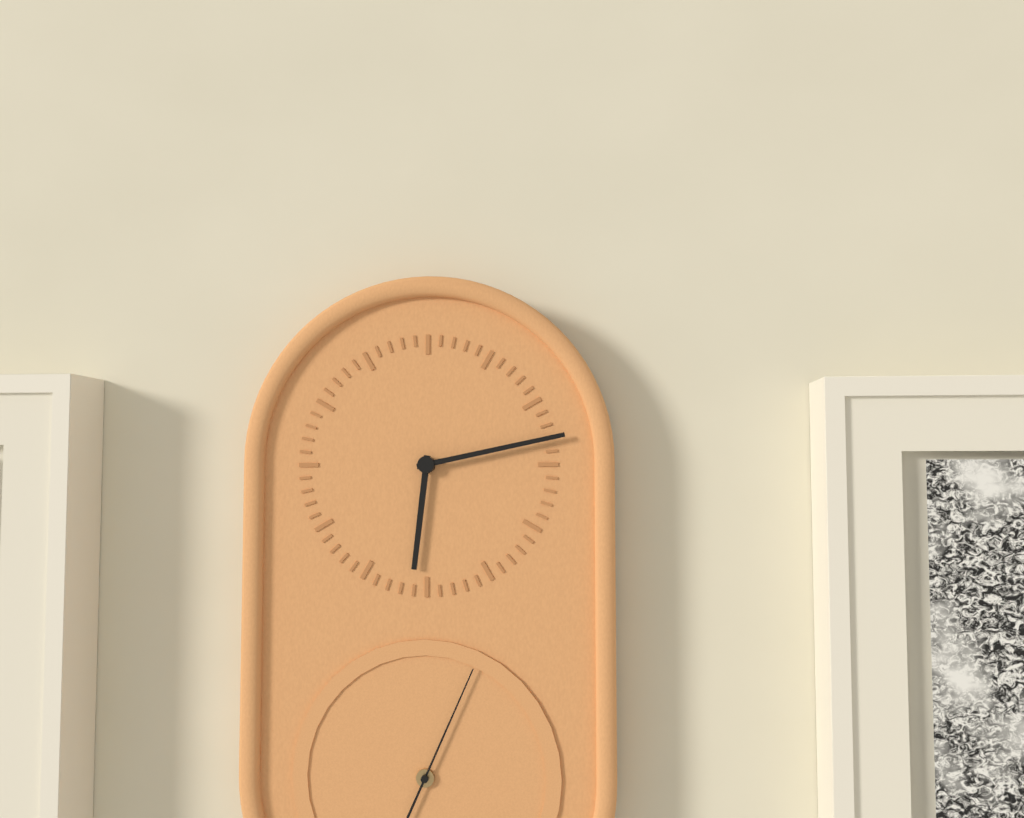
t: 6:13:04
